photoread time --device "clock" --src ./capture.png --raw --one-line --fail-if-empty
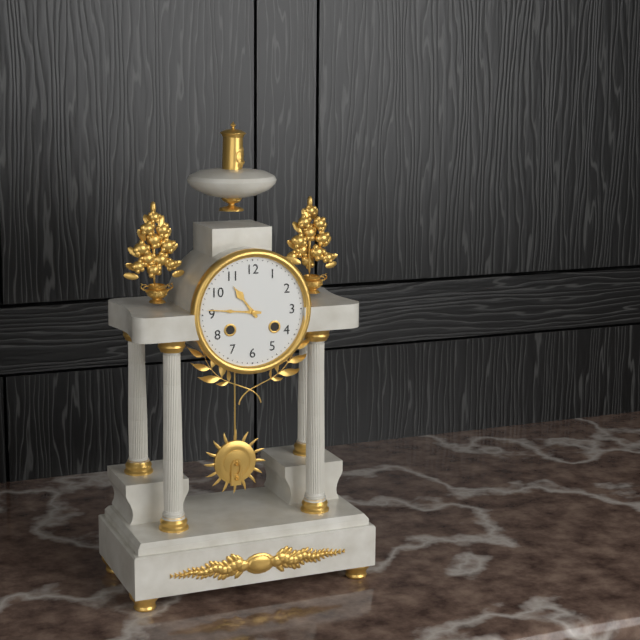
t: 10:46
